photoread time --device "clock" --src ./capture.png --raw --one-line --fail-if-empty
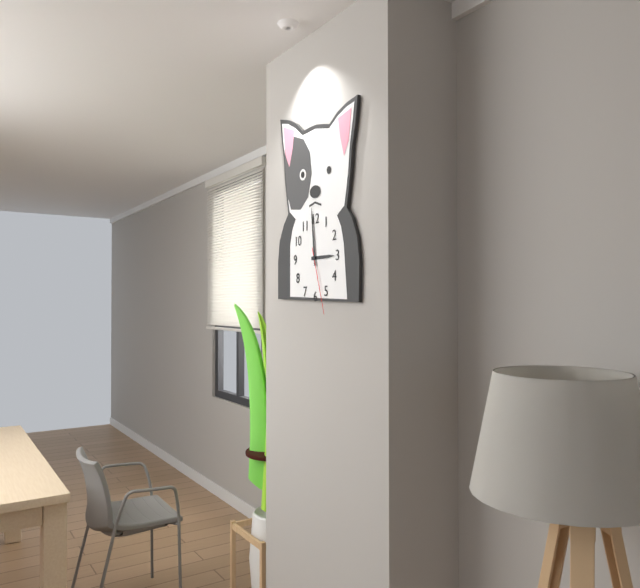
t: 2:59:27
